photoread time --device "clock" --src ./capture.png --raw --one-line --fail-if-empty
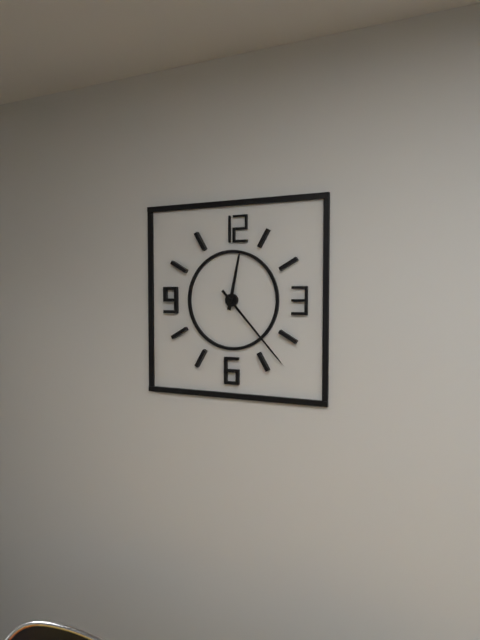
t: 12:23
